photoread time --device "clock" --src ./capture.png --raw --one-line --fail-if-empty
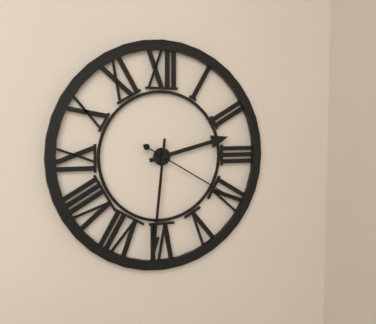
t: 2:31:20
